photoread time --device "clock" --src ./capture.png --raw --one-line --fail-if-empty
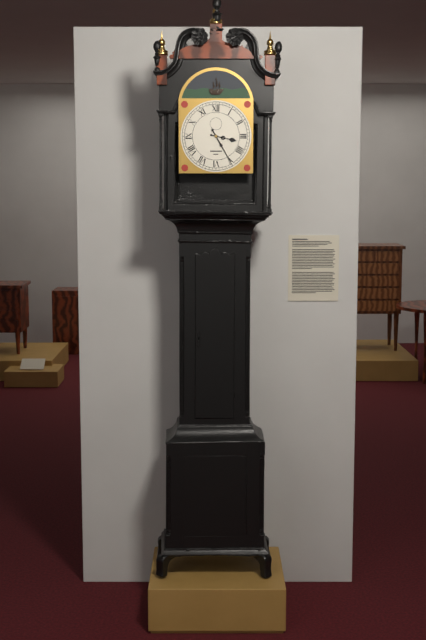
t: 3:25
